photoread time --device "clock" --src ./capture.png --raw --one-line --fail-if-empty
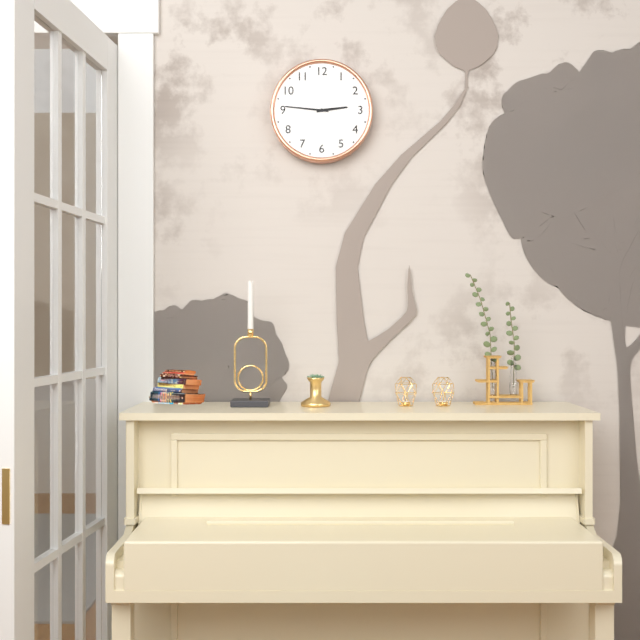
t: 2:46
